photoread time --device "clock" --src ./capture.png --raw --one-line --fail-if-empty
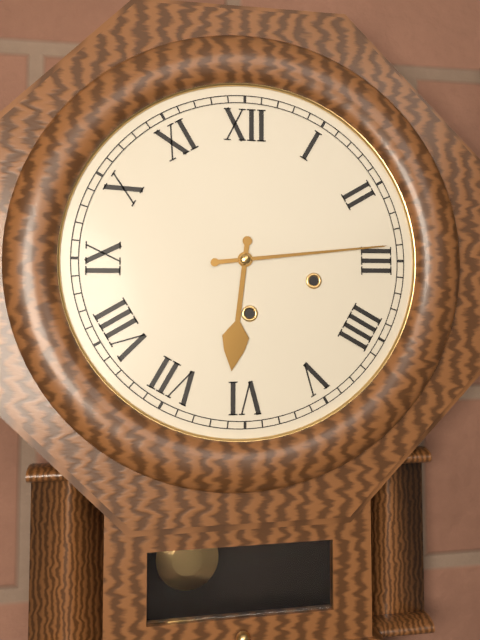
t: 6:14
